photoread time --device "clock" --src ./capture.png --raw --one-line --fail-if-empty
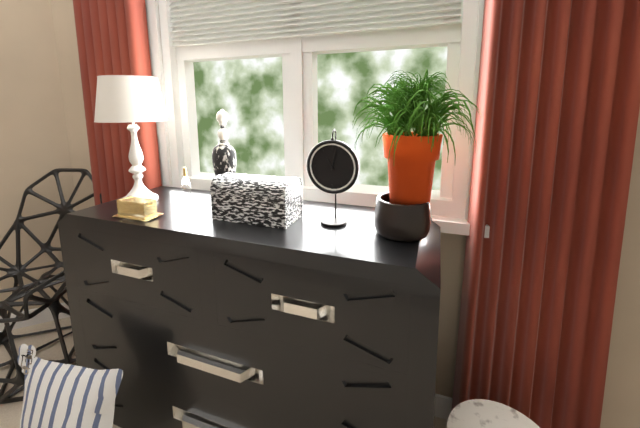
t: 11:02
